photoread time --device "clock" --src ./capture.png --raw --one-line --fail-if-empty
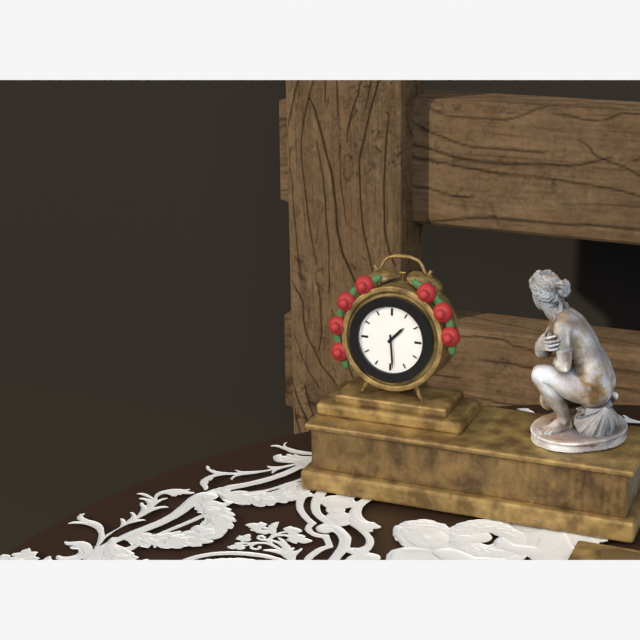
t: 1:29
